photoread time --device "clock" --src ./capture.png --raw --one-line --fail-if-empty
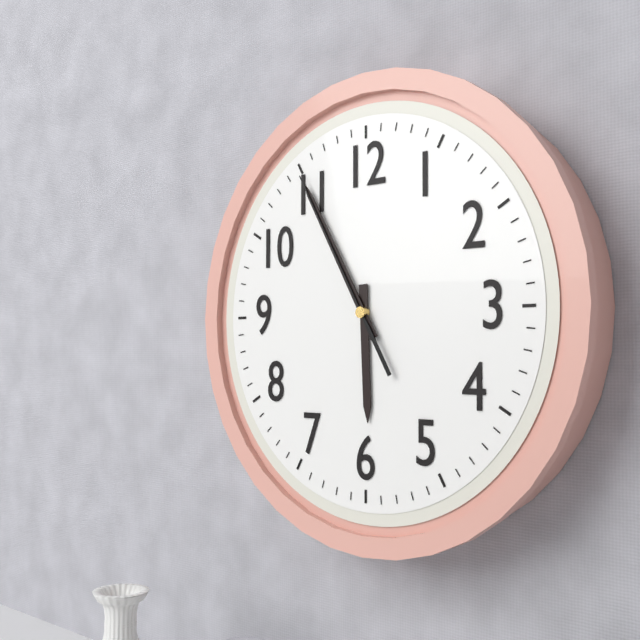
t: 5:55:55
